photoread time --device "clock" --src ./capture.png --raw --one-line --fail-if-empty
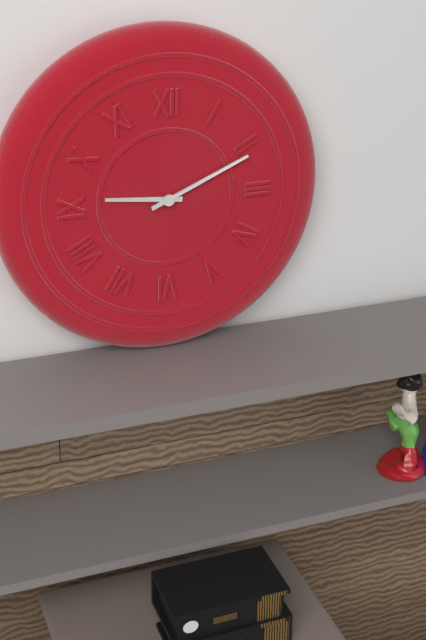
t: 9:11
